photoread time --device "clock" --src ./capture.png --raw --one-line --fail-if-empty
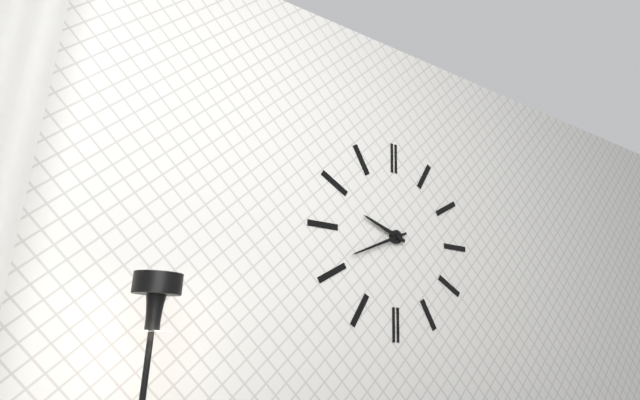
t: 9:41
